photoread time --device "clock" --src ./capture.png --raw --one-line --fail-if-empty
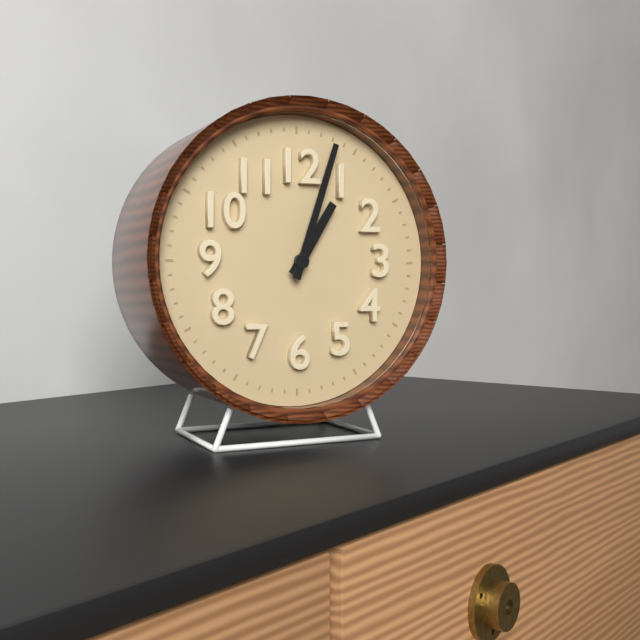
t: 1:03
